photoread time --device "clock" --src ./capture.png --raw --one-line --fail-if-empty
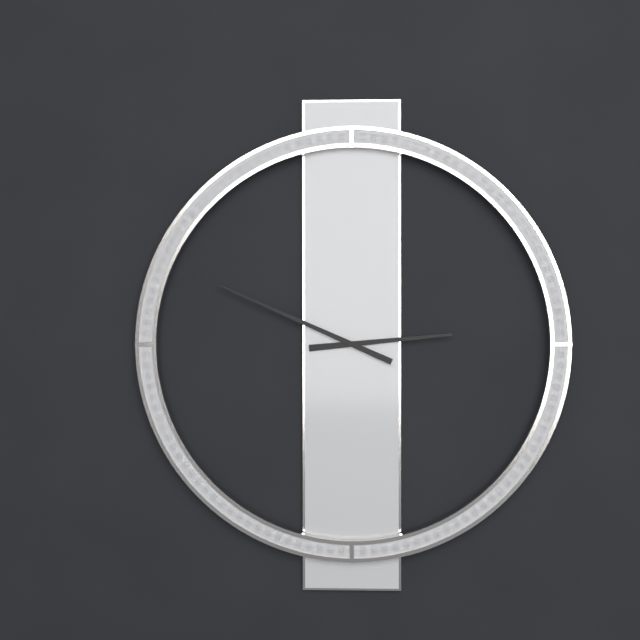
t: 2:49
